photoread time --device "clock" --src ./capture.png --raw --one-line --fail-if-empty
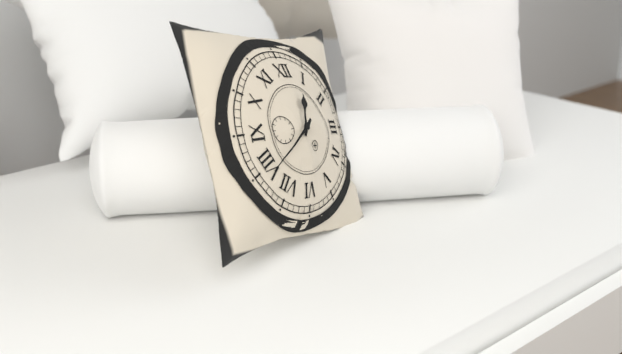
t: 12:39
